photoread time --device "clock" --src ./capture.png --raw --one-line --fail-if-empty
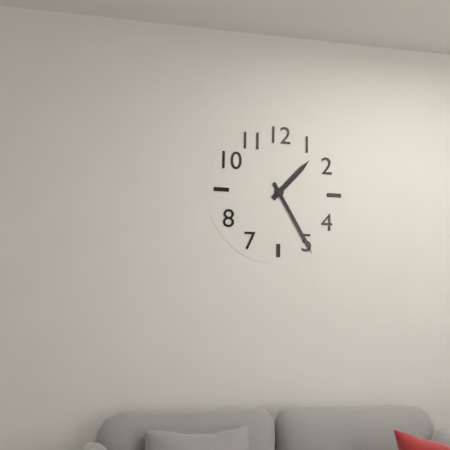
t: 1:25
